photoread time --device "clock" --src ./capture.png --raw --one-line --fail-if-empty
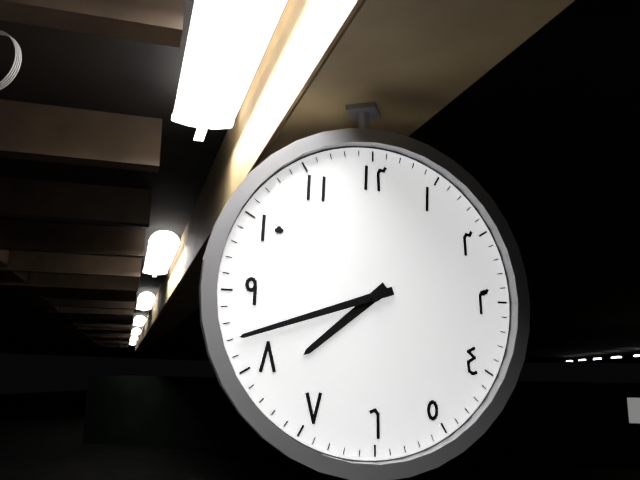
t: 7:42
